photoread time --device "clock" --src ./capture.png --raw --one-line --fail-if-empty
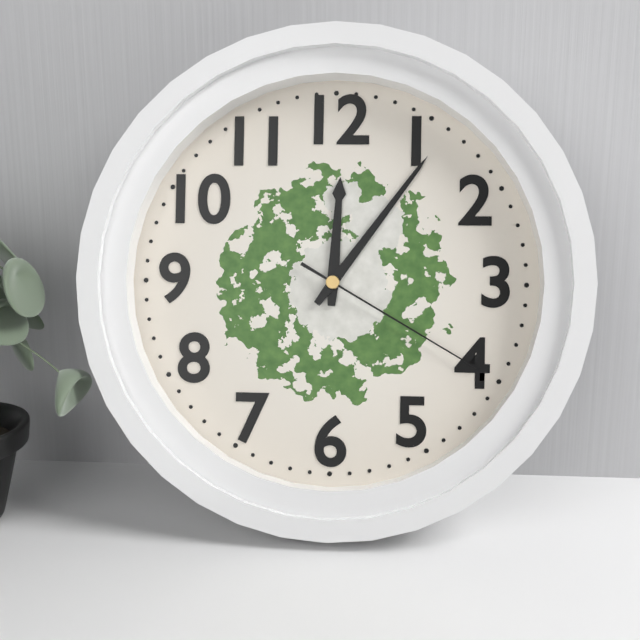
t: 12:06:20
